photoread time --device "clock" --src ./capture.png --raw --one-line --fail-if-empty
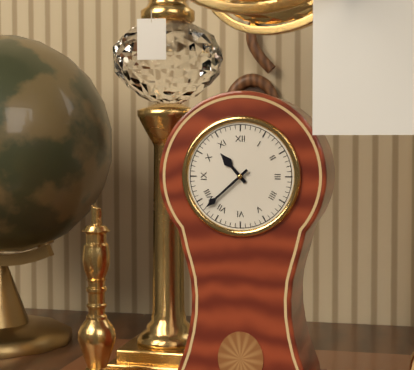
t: 10:38
